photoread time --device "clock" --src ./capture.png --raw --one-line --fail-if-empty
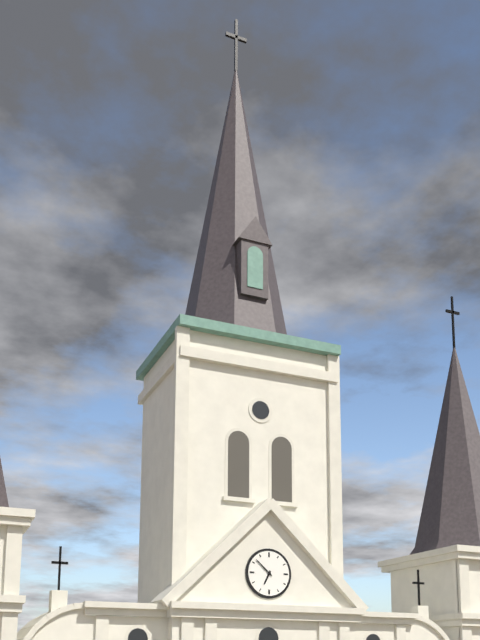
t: 6:52
